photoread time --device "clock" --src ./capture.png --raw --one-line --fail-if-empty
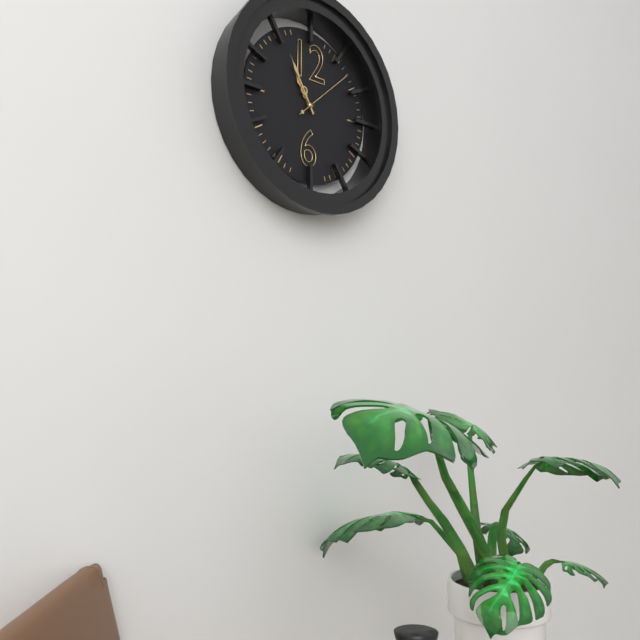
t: 10:55:08
